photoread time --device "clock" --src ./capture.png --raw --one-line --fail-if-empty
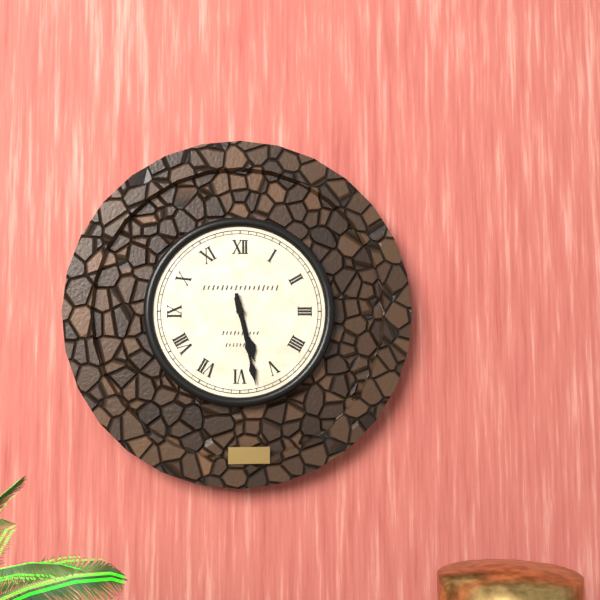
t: 5:28
